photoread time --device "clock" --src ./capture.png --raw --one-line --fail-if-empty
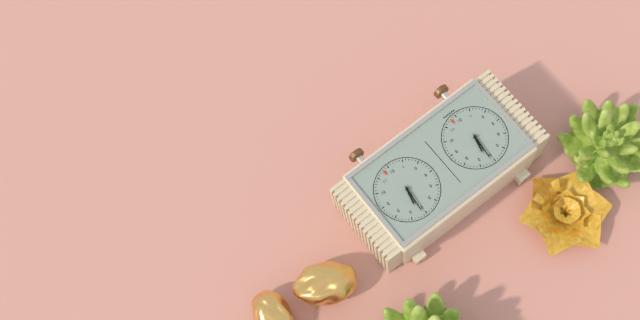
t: 6:31
